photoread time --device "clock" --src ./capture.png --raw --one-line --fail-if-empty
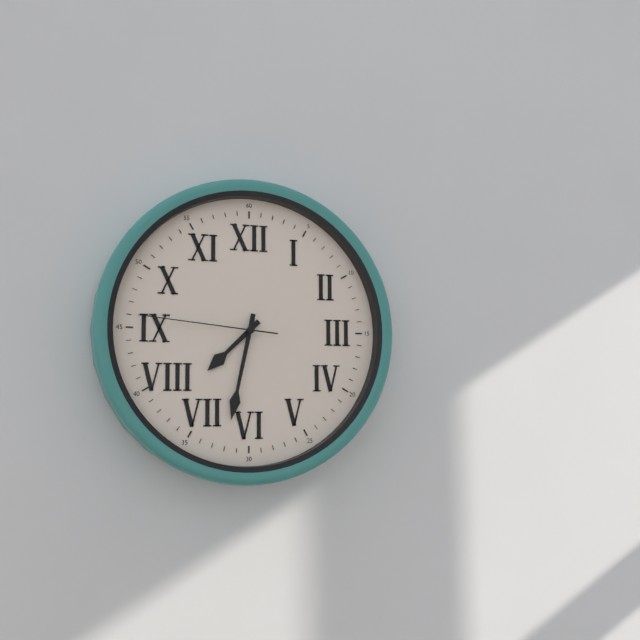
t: 7:32:46
